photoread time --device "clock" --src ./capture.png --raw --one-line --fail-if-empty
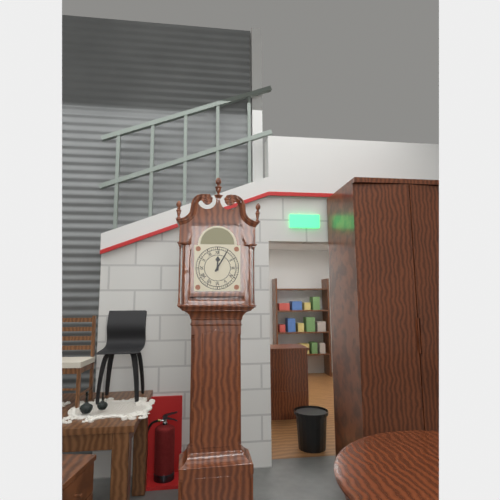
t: 12:05
